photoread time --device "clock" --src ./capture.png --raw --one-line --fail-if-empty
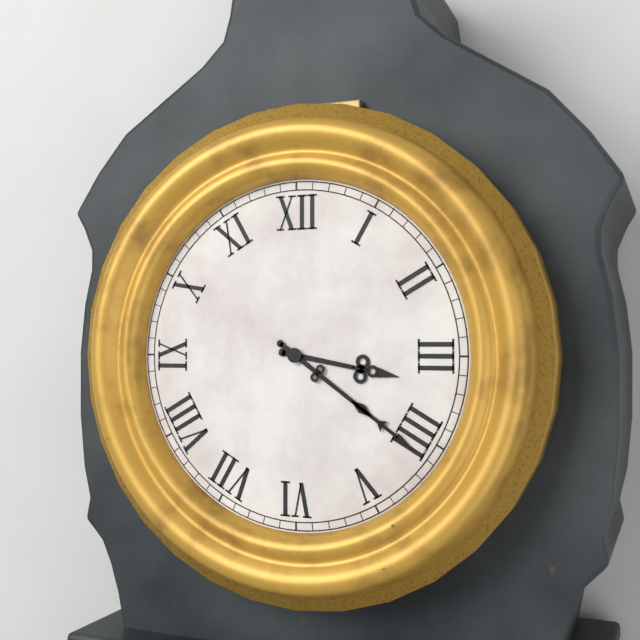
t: 3:21
